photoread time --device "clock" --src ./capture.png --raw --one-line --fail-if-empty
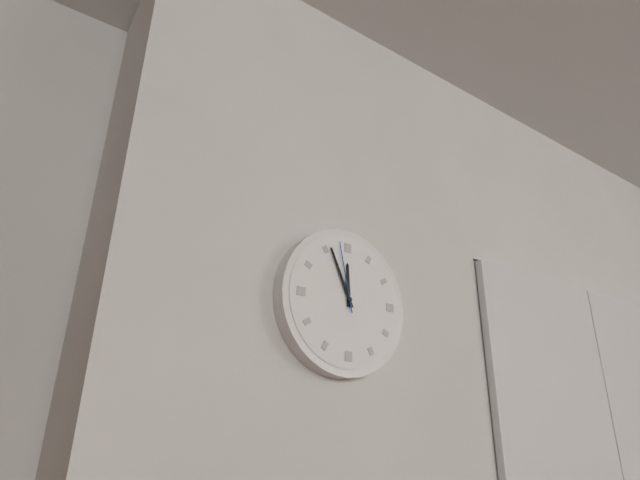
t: 11:56:58
